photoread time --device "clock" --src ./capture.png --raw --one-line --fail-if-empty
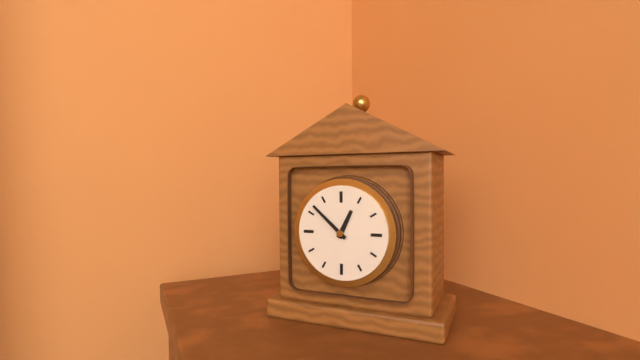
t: 12:52
